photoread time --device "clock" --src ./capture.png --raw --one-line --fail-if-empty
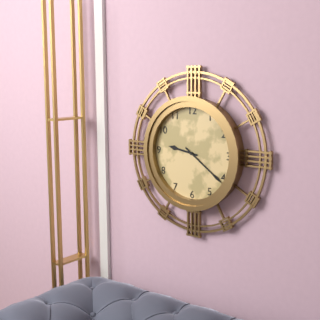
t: 9:21
